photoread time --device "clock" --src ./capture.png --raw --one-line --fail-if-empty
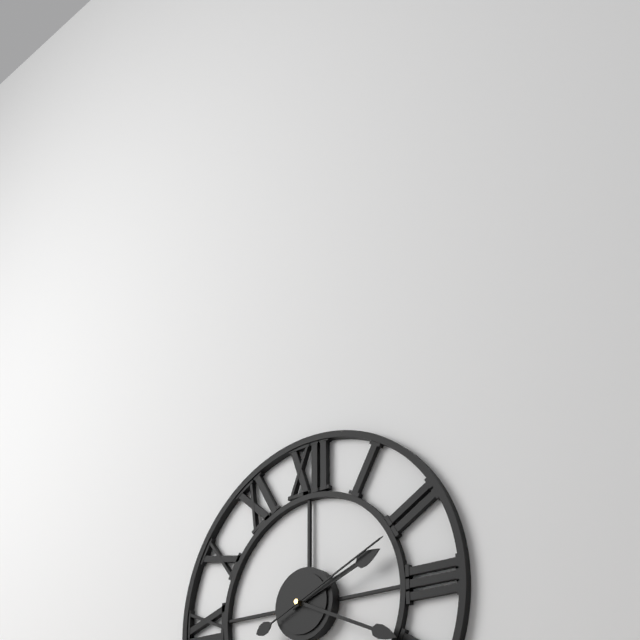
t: 2:19:11
